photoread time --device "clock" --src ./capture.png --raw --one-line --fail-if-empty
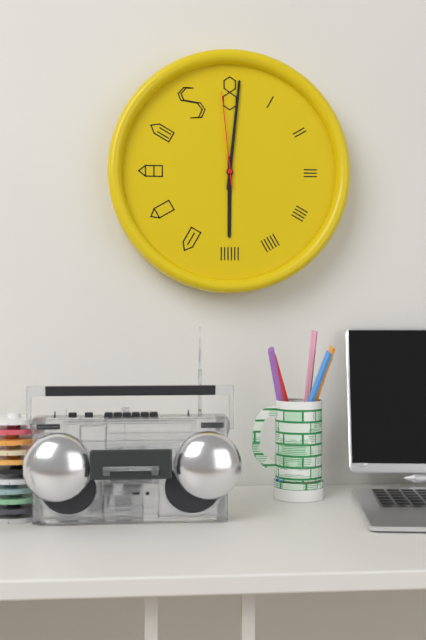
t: 6:01:59
